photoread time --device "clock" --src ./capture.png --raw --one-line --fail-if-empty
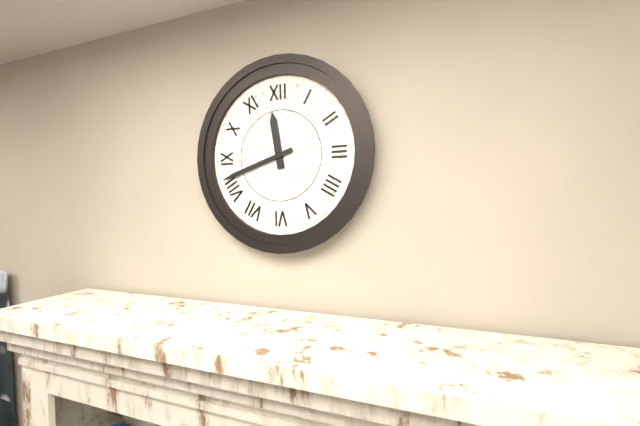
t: 11:42
